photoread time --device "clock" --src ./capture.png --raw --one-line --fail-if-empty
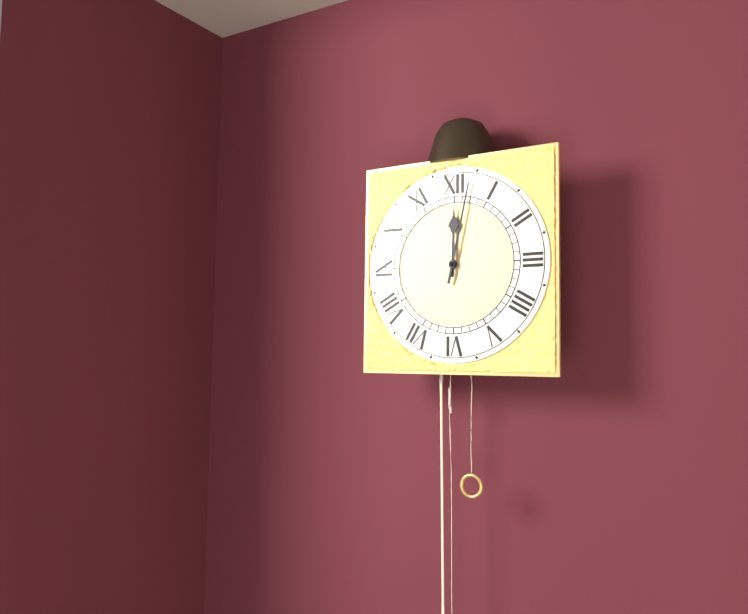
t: 12:02
